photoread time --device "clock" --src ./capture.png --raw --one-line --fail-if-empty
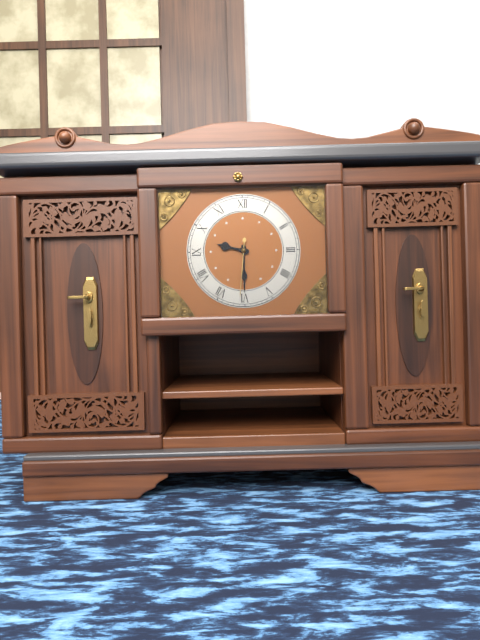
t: 9:30:31
